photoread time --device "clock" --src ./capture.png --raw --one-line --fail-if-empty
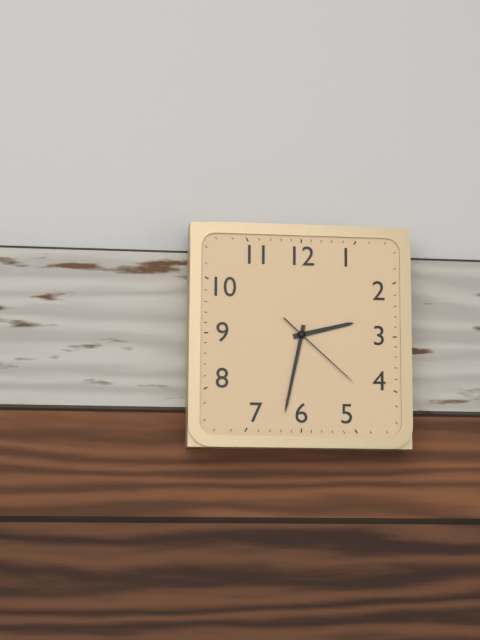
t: 2:32:22
